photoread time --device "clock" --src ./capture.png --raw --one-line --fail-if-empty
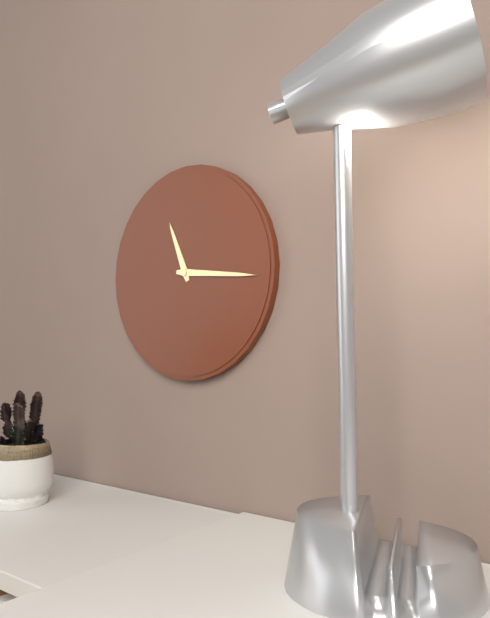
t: 11:16
